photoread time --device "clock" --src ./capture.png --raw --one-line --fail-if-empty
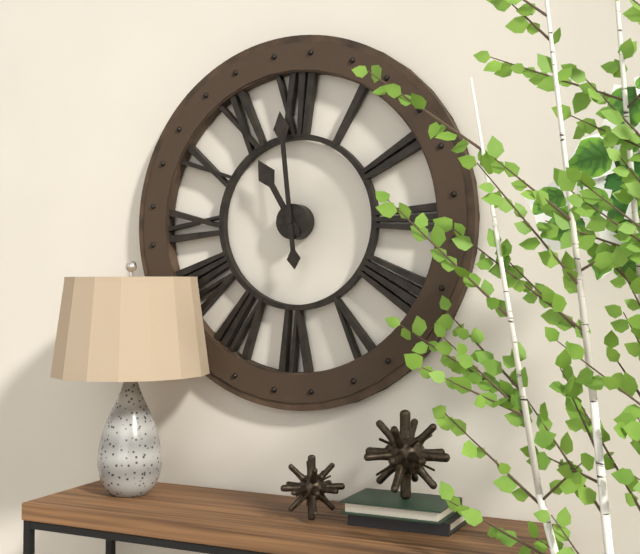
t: 10:59
